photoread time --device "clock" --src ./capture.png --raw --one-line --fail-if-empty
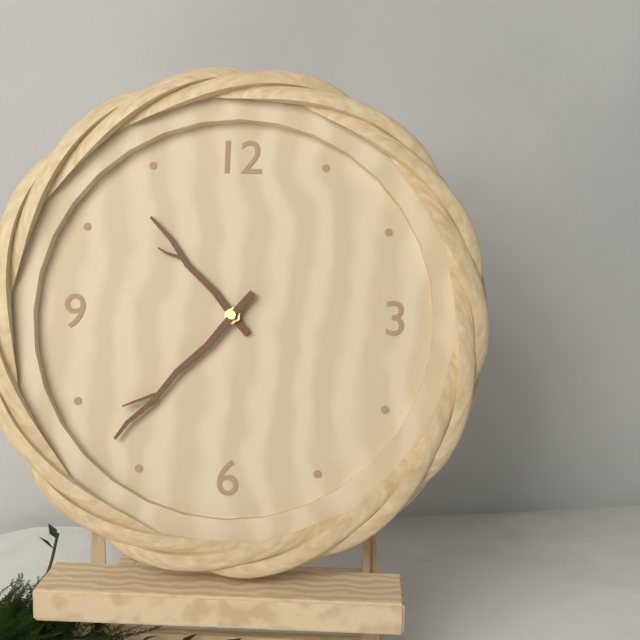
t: 10:37
